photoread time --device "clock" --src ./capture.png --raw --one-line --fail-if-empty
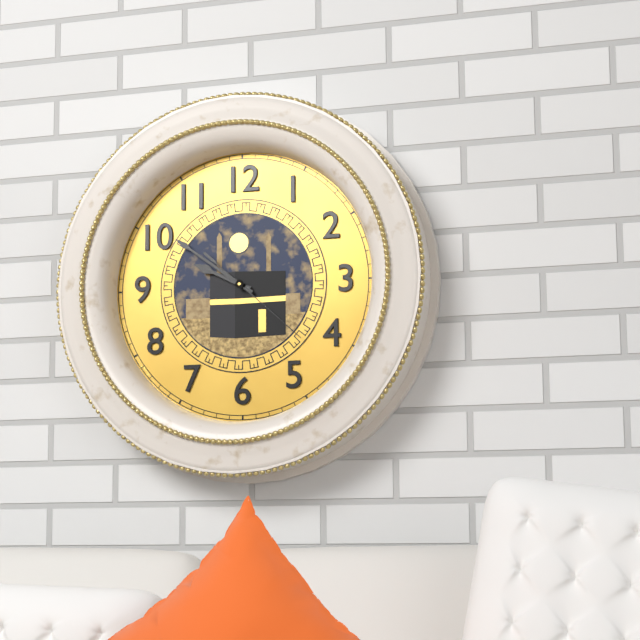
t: 9:51:22
